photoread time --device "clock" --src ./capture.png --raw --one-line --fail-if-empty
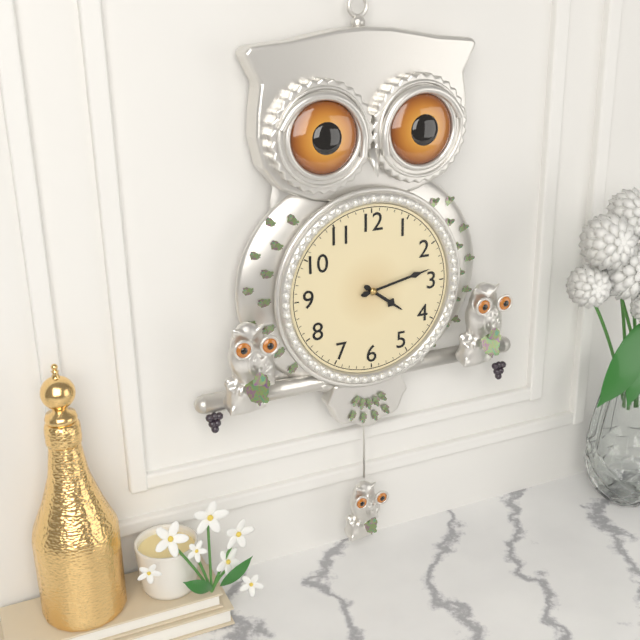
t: 4:13
